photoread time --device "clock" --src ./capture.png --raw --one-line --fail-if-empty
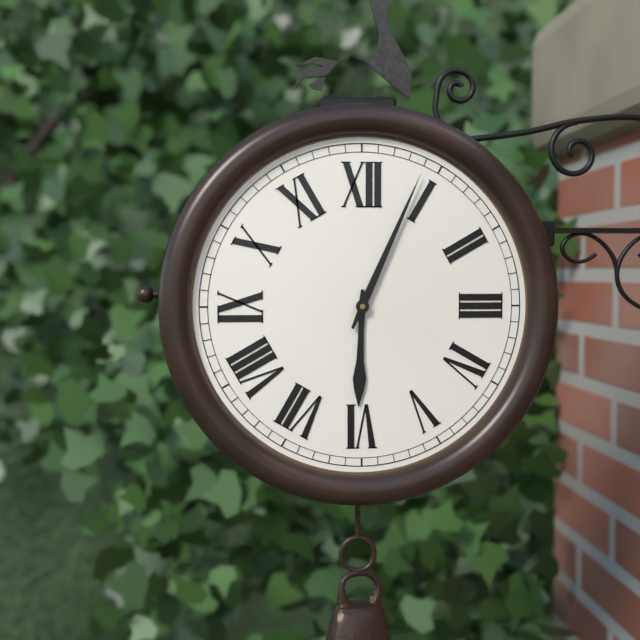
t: 6:04
